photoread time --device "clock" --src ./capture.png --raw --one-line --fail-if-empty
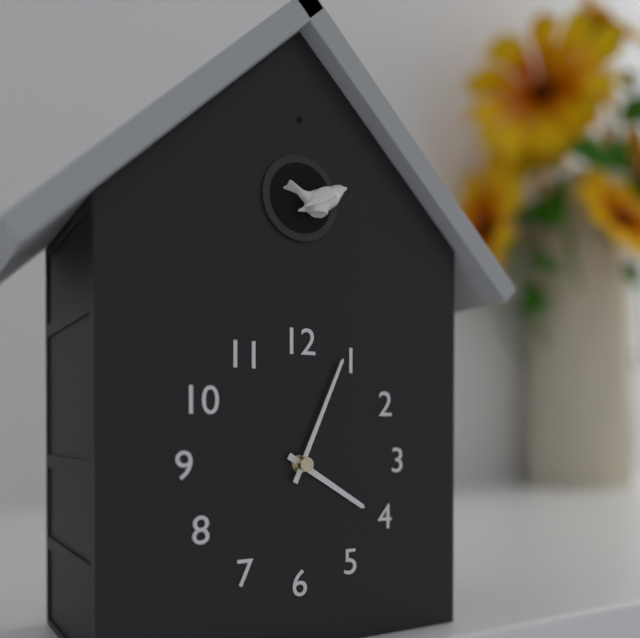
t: 4:04
